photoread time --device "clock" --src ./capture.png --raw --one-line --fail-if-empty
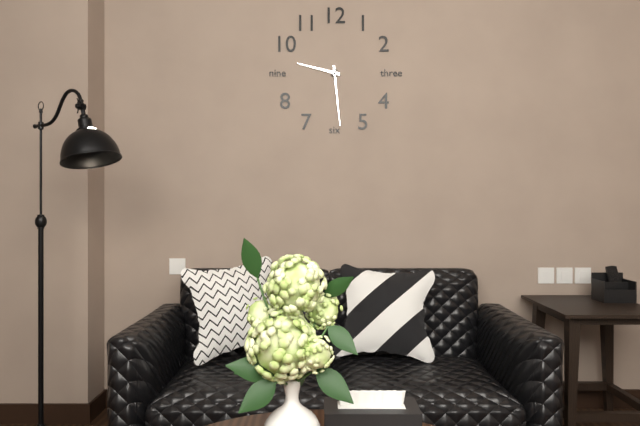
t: 9:29
